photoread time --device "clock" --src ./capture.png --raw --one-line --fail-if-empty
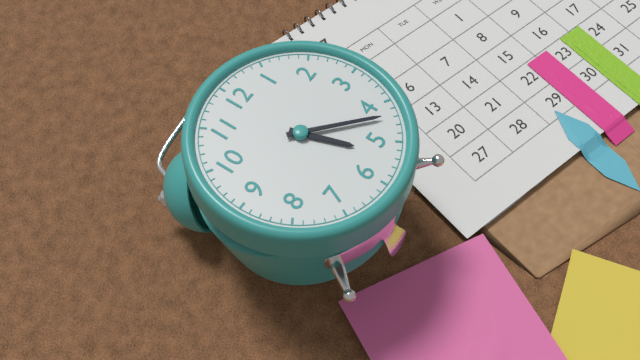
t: 5:22
